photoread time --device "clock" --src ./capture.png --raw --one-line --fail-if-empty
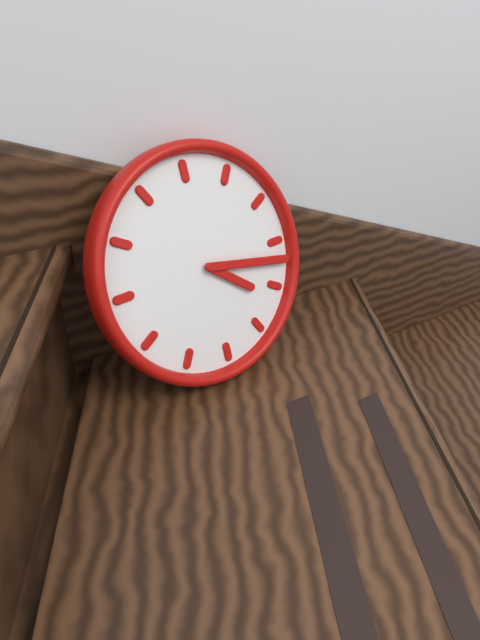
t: 4:17
